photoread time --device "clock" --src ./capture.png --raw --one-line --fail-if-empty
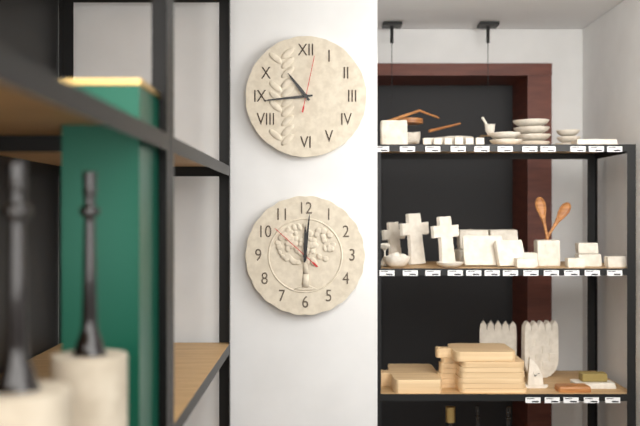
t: 10:44:02
